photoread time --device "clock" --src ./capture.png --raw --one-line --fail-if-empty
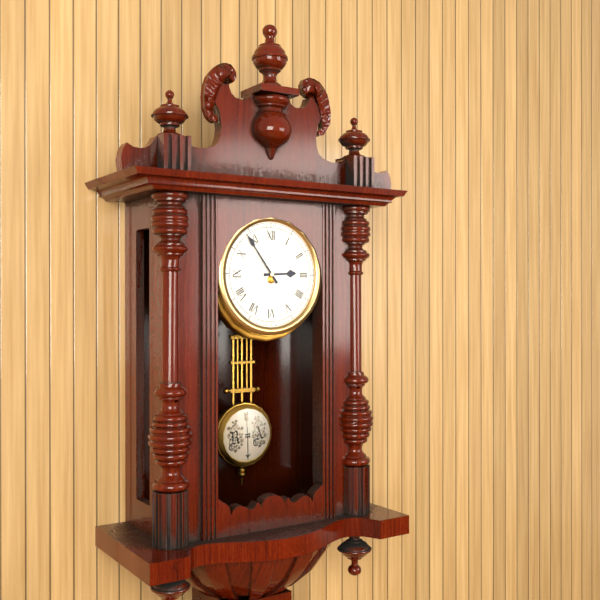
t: 2:54
